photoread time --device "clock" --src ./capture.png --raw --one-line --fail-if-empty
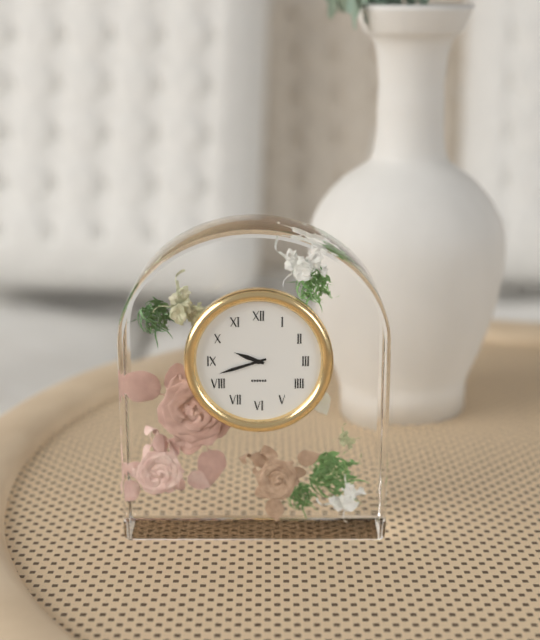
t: 9:42
